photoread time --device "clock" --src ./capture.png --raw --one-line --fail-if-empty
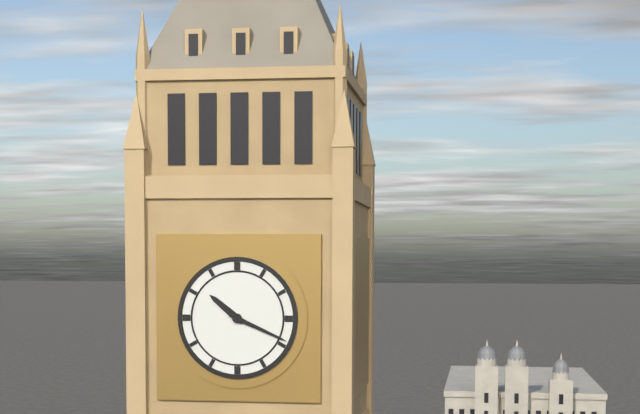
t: 10:19
